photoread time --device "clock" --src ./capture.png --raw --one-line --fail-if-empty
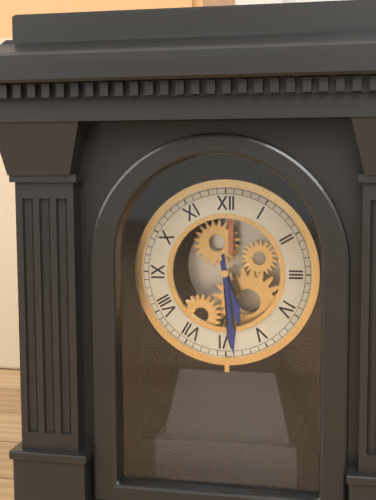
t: 5:29
